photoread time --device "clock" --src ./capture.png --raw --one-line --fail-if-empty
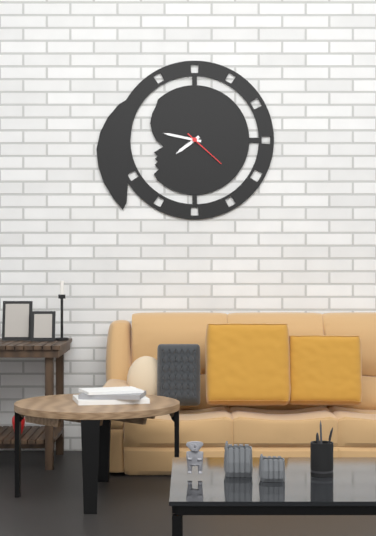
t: 7:47
